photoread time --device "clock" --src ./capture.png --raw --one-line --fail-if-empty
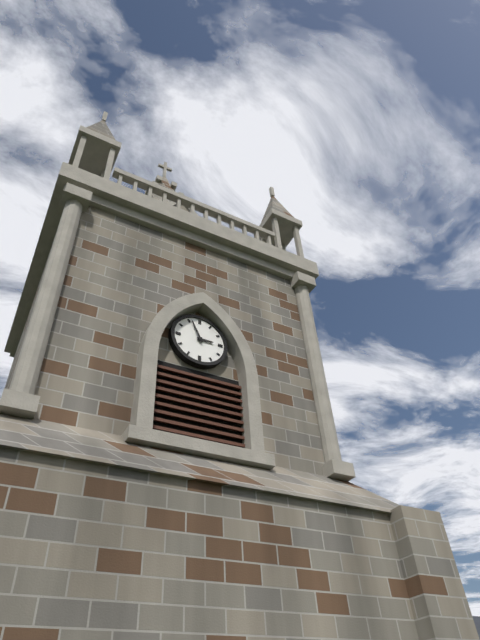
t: 2:56
